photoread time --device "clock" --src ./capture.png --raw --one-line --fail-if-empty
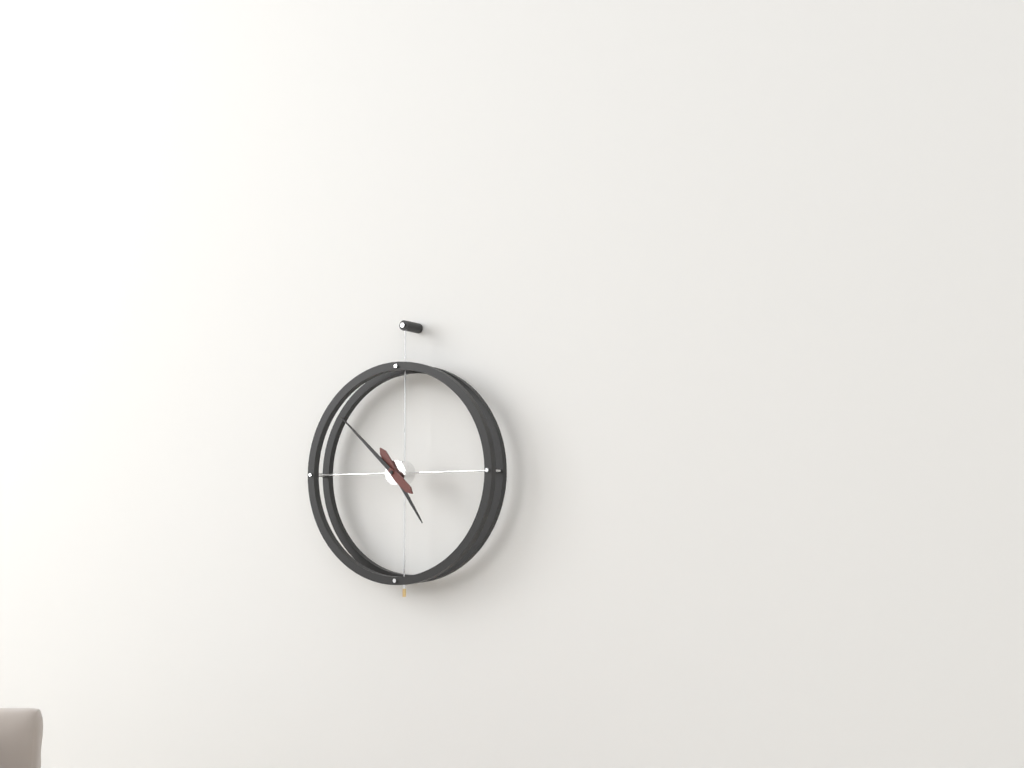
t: 4:52
